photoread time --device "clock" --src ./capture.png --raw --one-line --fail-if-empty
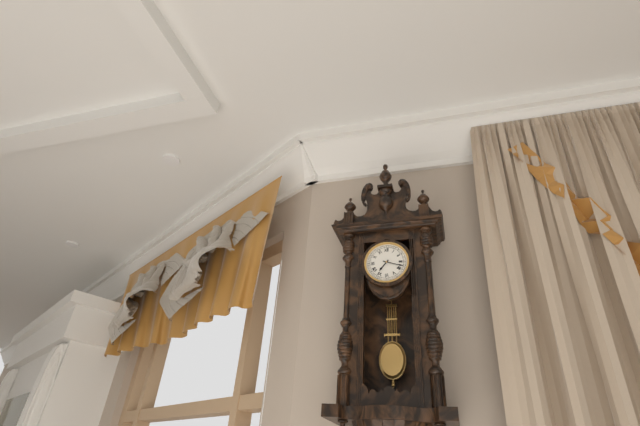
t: 7:18
